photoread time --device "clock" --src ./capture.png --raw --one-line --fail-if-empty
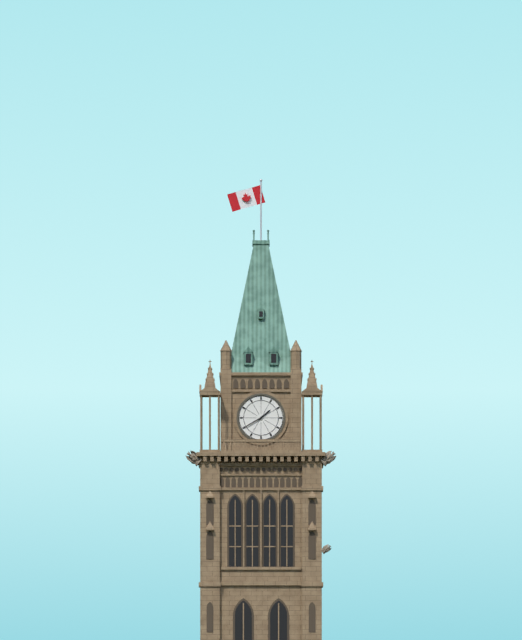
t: 1:40
